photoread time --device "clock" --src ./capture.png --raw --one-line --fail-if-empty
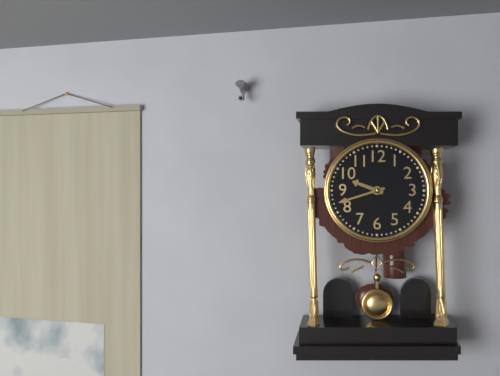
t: 9:42
